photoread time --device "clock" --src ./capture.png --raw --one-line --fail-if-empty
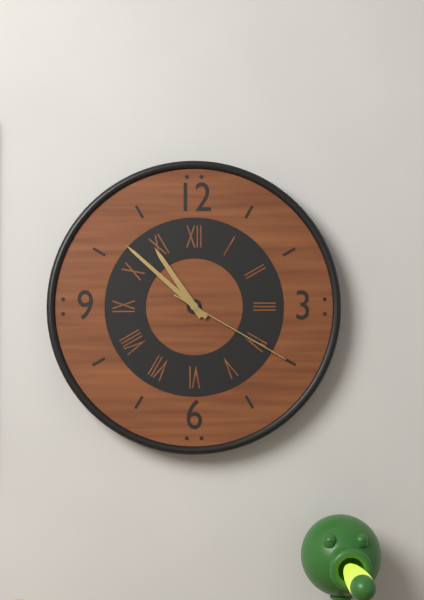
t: 10:52:20
